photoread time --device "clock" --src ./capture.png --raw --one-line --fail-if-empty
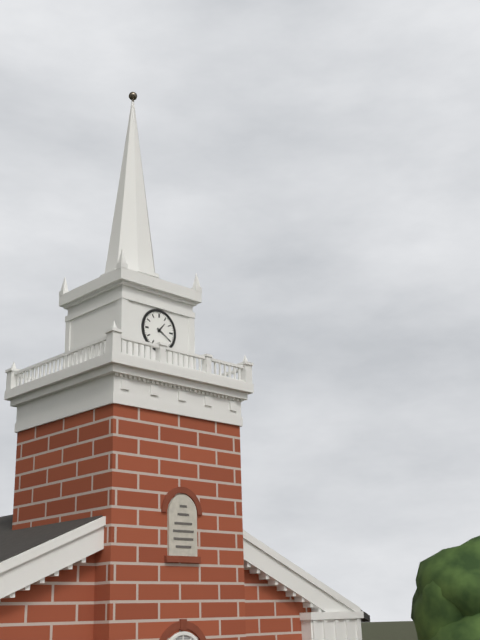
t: 1:20
